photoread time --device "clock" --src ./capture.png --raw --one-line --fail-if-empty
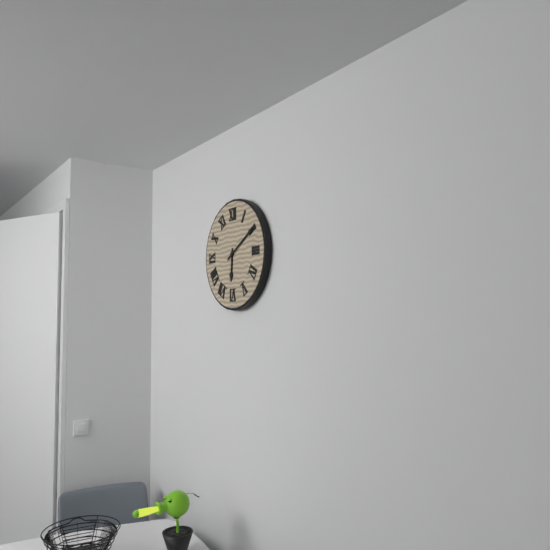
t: 6:10
